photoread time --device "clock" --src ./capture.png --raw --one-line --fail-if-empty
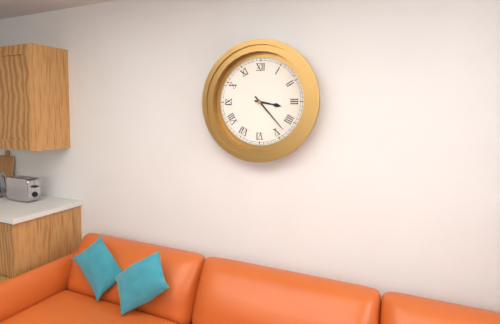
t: 3:23
